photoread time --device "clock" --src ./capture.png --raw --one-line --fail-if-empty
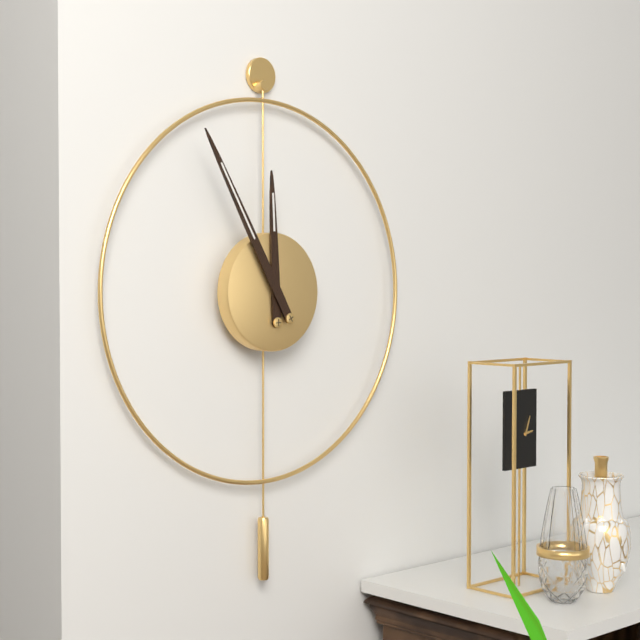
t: 11:55
